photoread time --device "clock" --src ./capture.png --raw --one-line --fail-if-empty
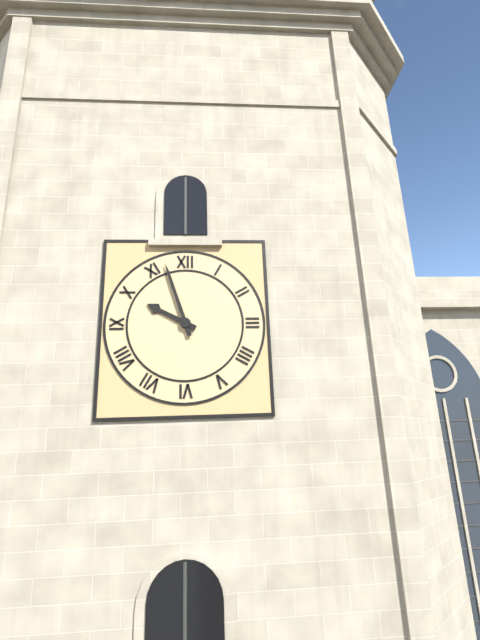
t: 9:57
